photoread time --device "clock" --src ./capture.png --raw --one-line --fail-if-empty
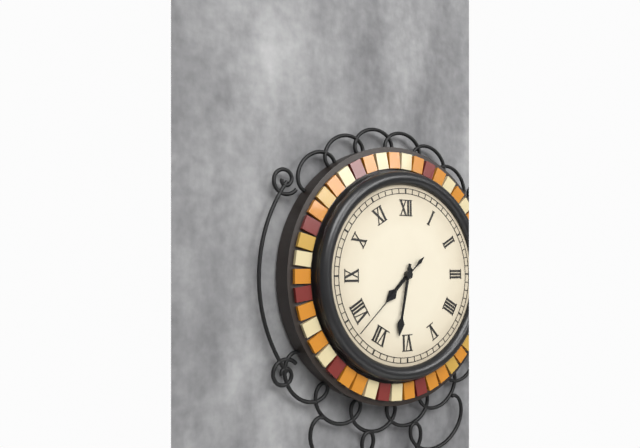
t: 7:32:38
